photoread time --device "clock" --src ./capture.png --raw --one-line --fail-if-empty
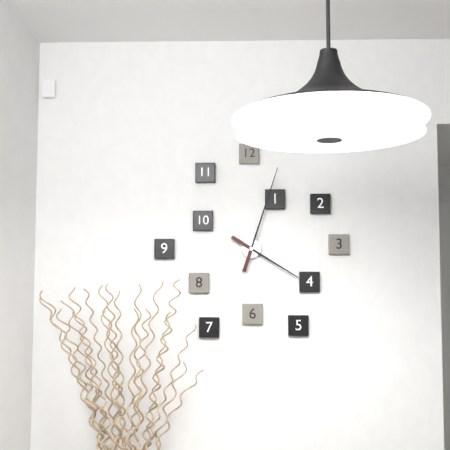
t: 4:03
